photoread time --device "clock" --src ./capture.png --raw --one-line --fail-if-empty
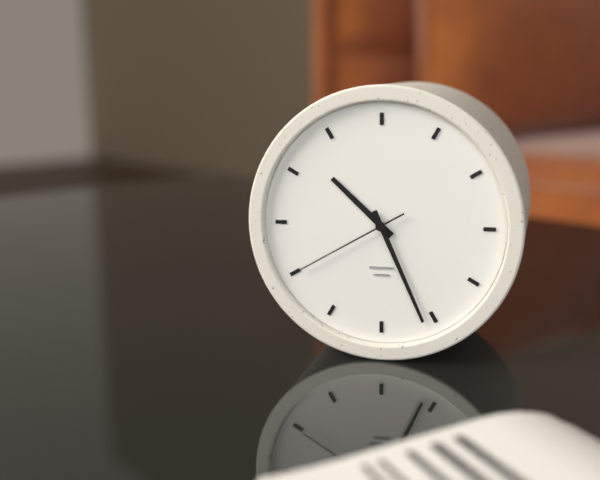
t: 10:26:40
